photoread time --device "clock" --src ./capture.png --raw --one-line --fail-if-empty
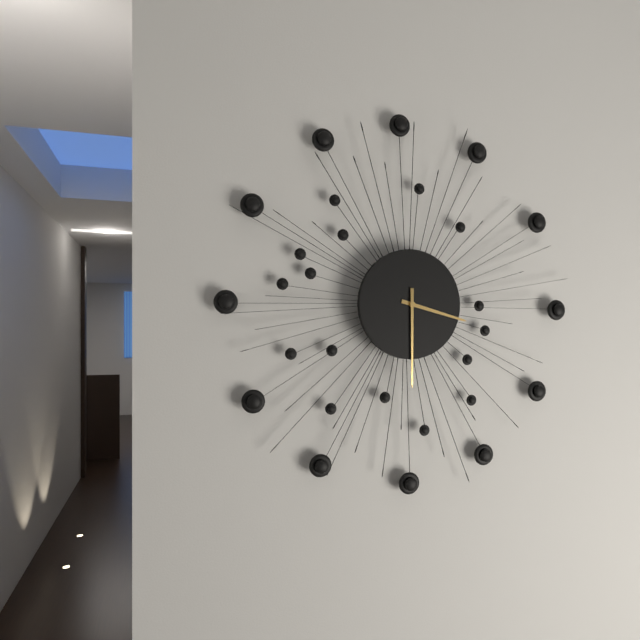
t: 3:30
